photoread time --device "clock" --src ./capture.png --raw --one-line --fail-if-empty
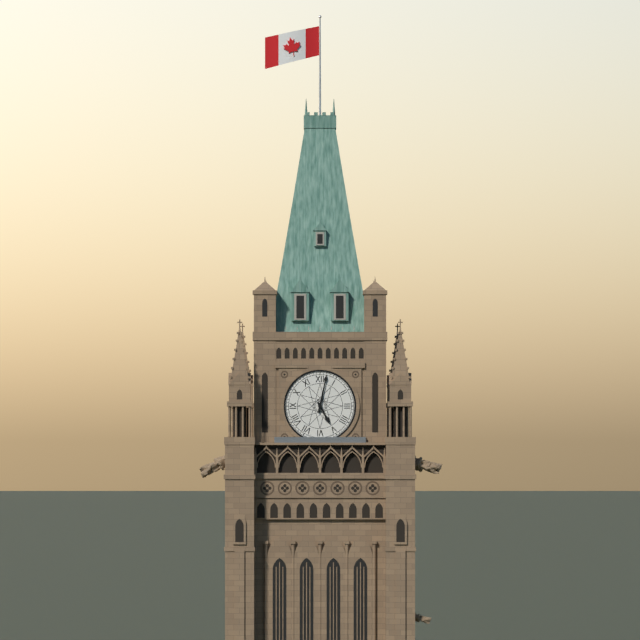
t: 5:02
